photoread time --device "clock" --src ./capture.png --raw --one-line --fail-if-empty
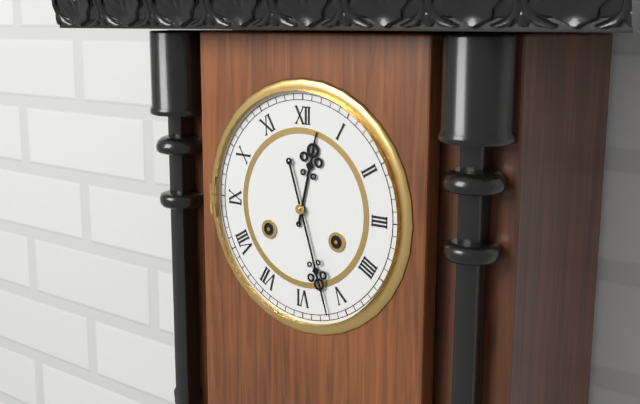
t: 12:27
